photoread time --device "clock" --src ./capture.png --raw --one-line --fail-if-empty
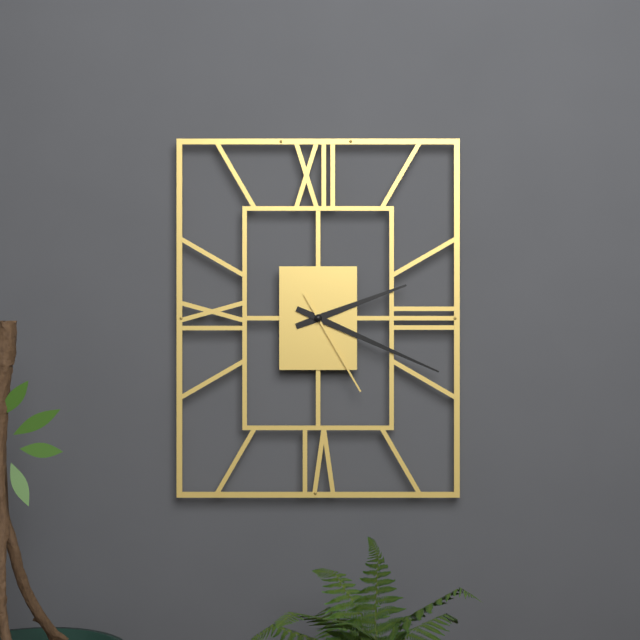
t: 2:19:25
